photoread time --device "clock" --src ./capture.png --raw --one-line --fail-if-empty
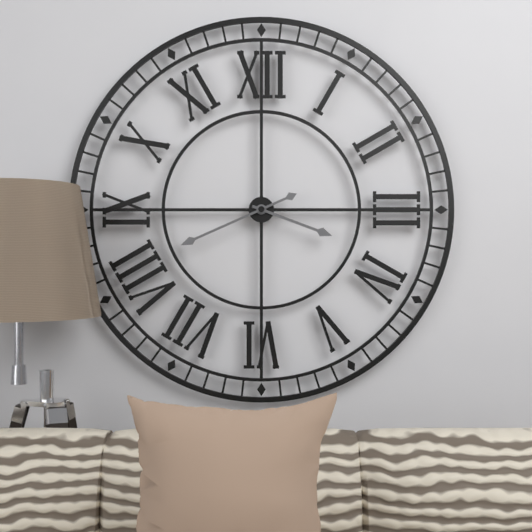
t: 3:41
